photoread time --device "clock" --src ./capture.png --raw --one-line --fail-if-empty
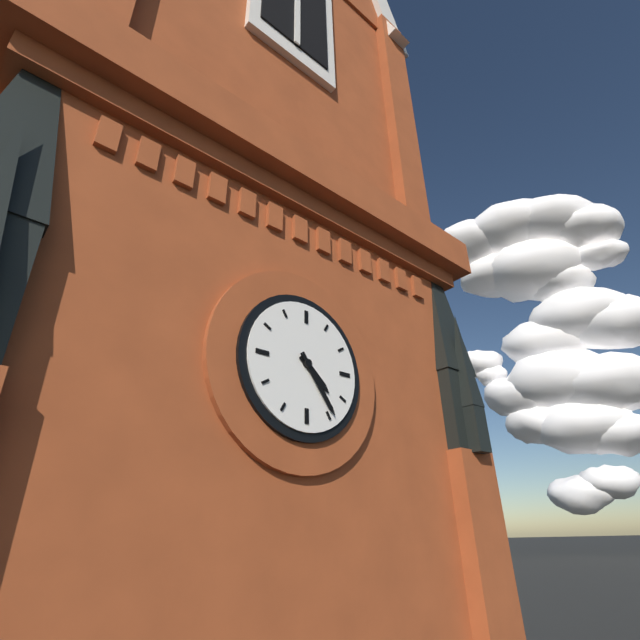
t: 4:24
